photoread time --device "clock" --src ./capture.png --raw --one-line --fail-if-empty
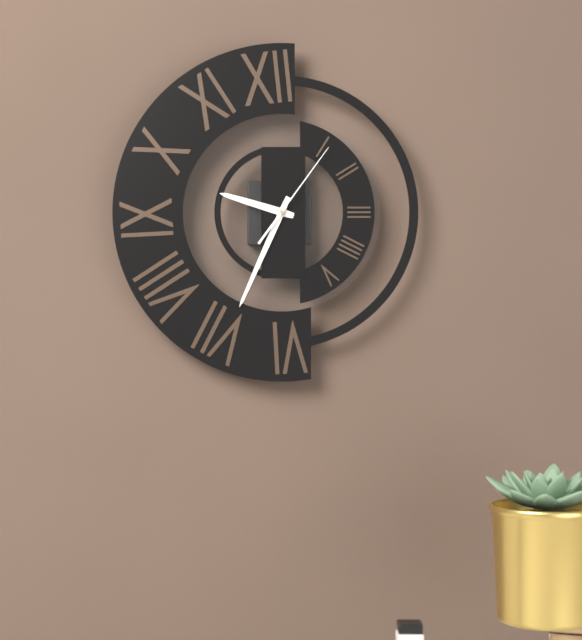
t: 9:34:06
